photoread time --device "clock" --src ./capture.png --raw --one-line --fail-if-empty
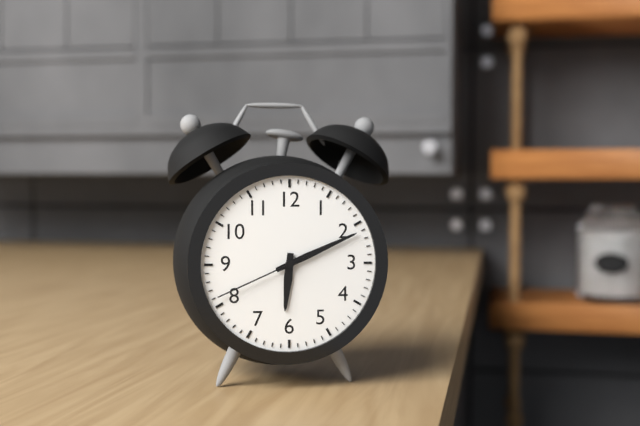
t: 6:11:41
